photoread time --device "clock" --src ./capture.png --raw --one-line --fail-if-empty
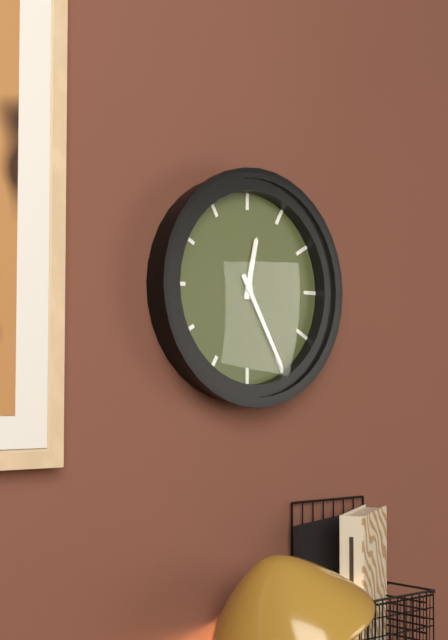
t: 12:25
